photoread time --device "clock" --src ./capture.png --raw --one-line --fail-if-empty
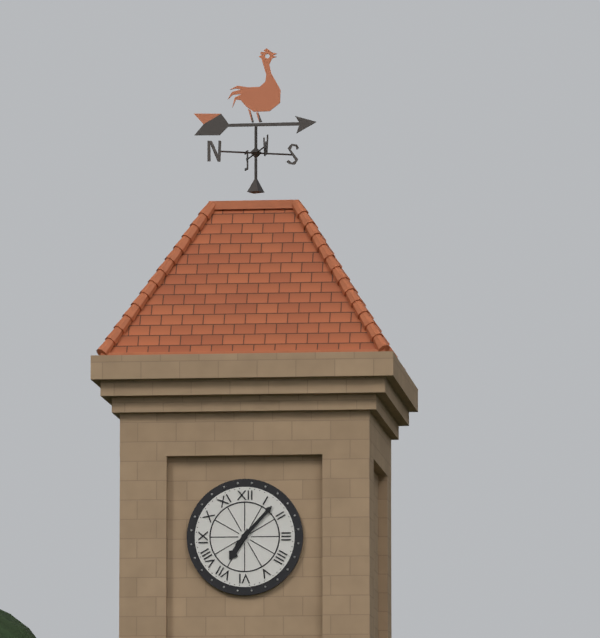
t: 7:07
